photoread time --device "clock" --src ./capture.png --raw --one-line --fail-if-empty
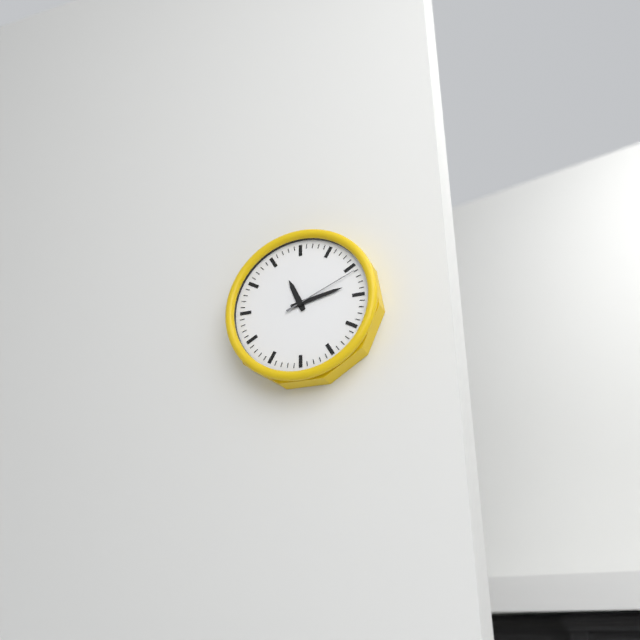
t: 11:13:11
